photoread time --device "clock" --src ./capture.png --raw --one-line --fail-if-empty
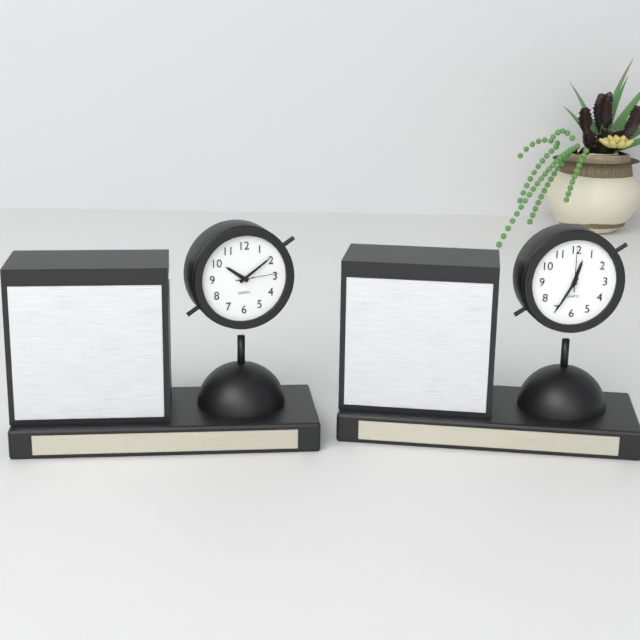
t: 10:09
